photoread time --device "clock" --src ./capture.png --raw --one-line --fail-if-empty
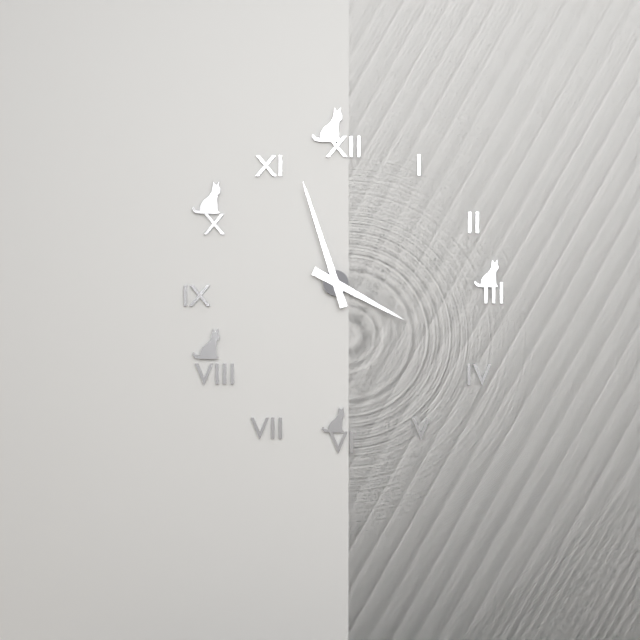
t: 3:57
